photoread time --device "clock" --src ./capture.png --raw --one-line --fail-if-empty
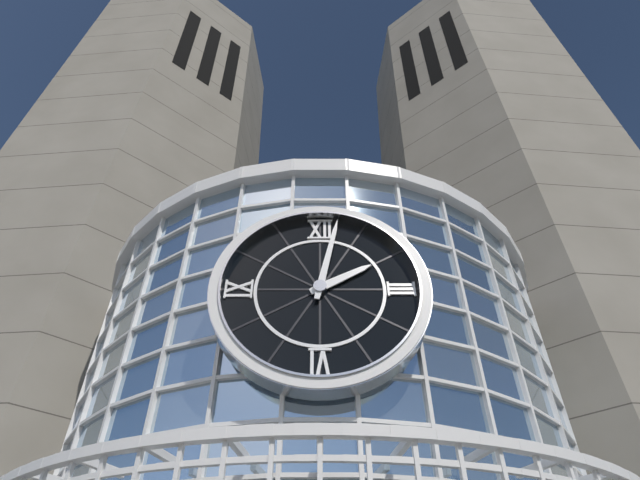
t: 2:02
